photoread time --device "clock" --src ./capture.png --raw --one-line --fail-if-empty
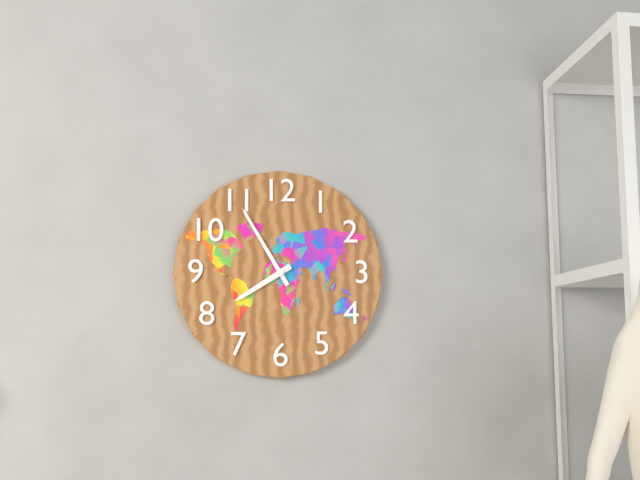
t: 7:55
